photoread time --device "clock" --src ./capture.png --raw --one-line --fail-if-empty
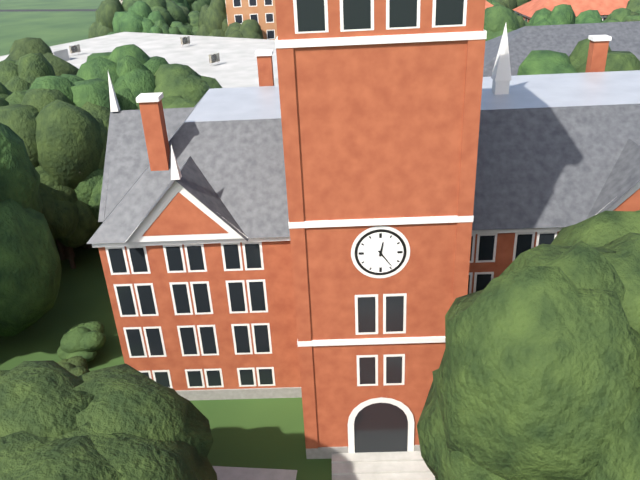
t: 12:24
